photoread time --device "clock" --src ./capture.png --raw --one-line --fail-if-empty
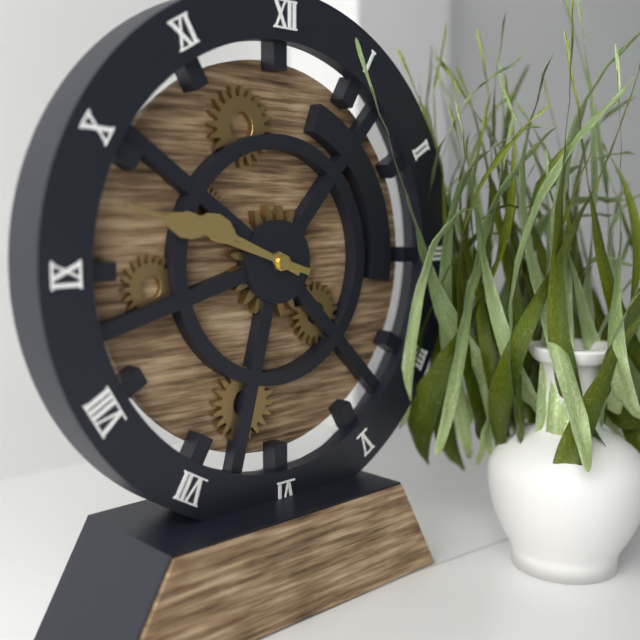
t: 9:48
